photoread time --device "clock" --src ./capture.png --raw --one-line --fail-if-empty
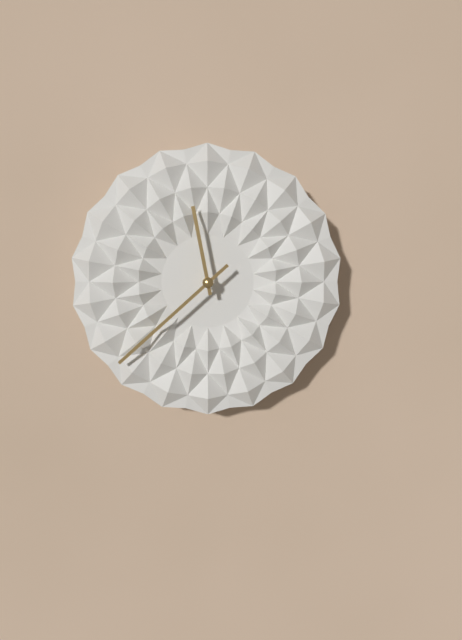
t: 11:38
